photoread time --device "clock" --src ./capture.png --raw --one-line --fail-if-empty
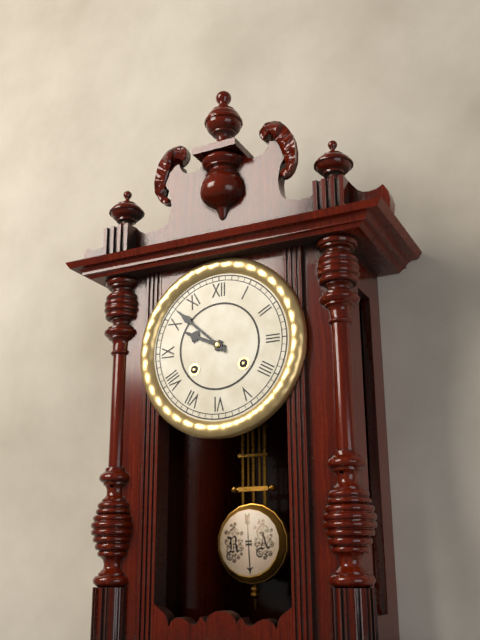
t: 9:52
